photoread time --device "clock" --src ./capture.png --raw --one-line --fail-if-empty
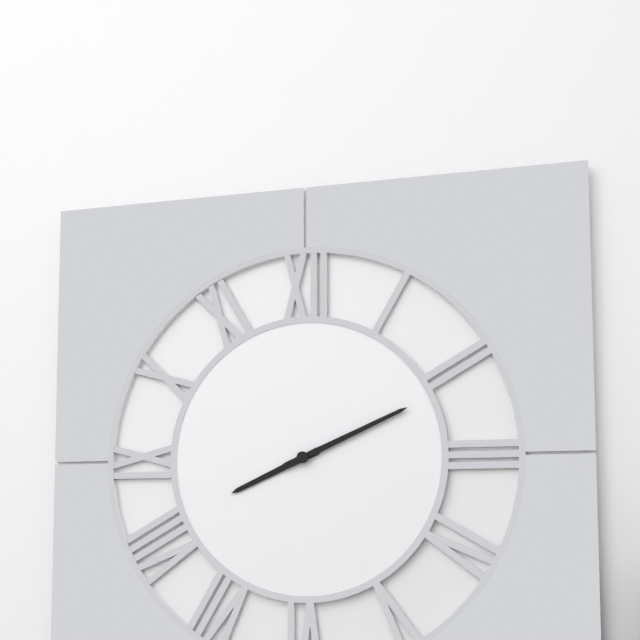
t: 8:11
